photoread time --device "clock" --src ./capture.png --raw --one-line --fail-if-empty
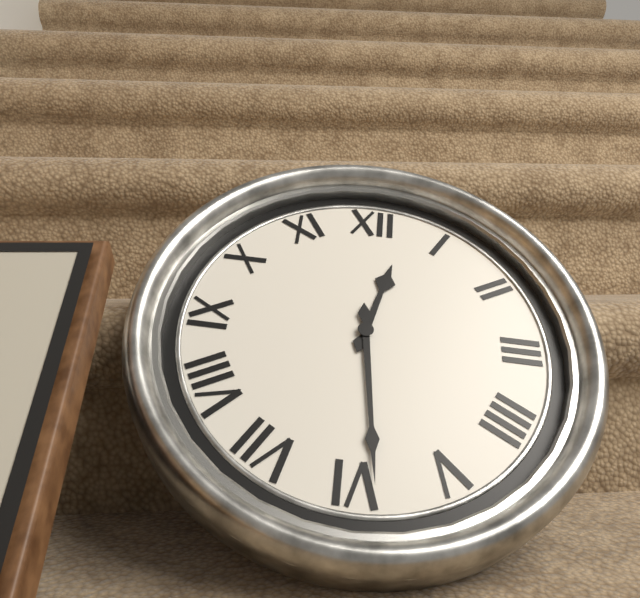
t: 12:29
